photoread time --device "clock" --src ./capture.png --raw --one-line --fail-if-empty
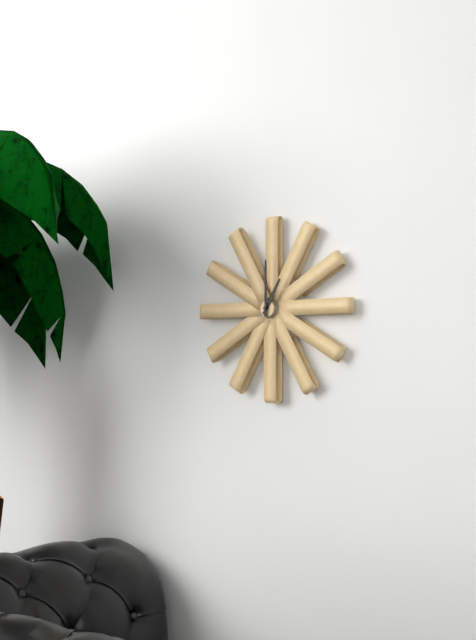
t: 1:00
